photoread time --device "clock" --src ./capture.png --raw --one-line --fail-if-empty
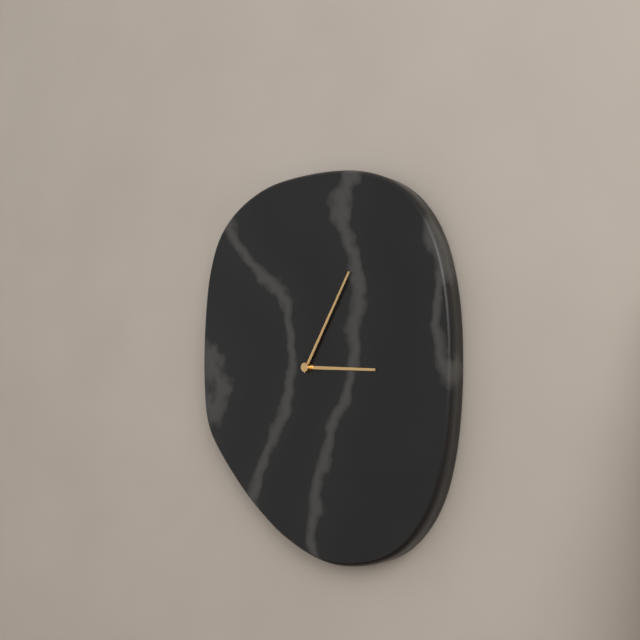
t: 3:05
